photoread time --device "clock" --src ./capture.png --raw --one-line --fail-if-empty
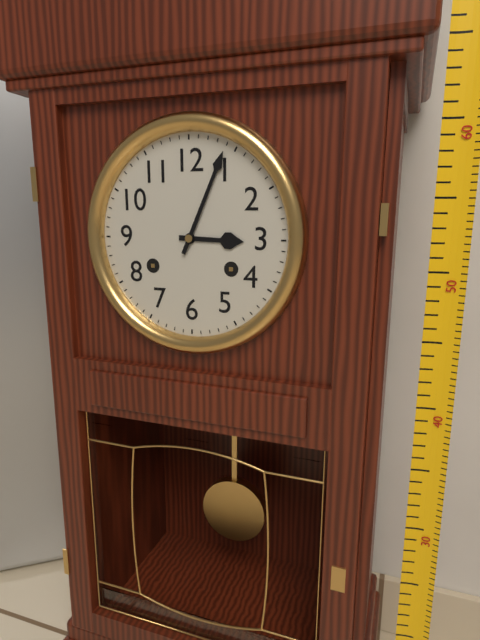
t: 3:04
